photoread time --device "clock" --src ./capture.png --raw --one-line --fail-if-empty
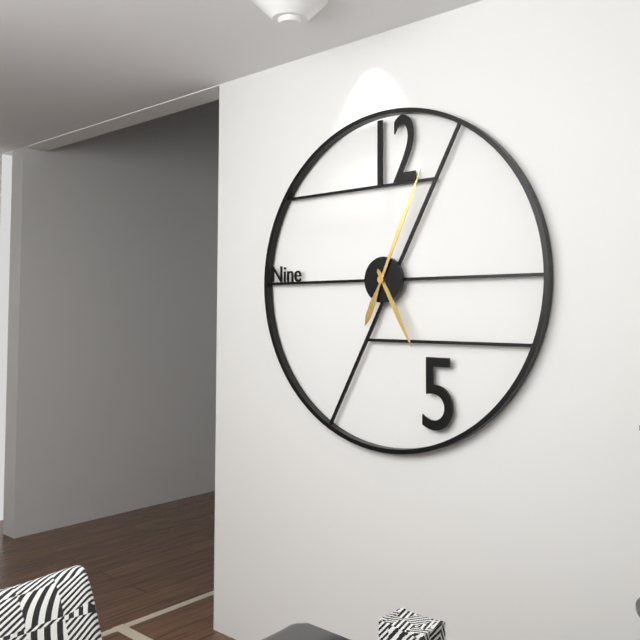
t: 5:04
